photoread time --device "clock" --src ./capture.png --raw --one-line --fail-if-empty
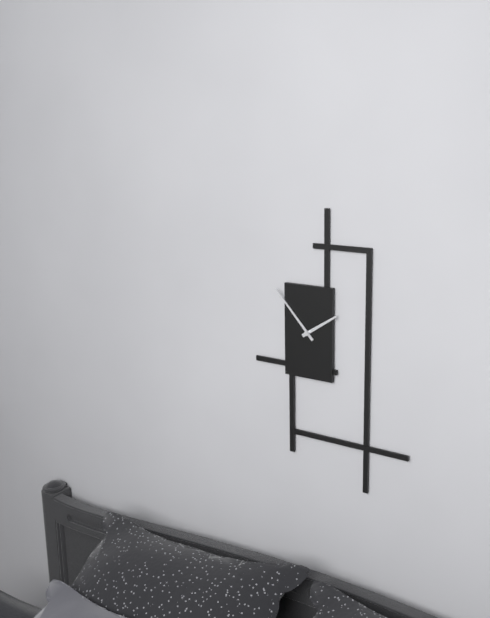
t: 1:53
